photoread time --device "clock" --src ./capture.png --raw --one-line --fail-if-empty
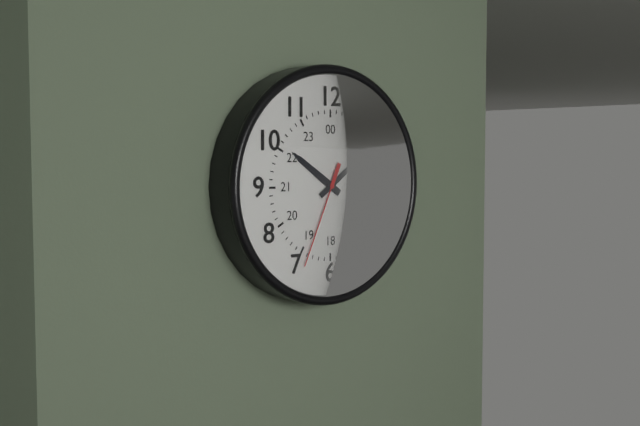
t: 10:09:34
